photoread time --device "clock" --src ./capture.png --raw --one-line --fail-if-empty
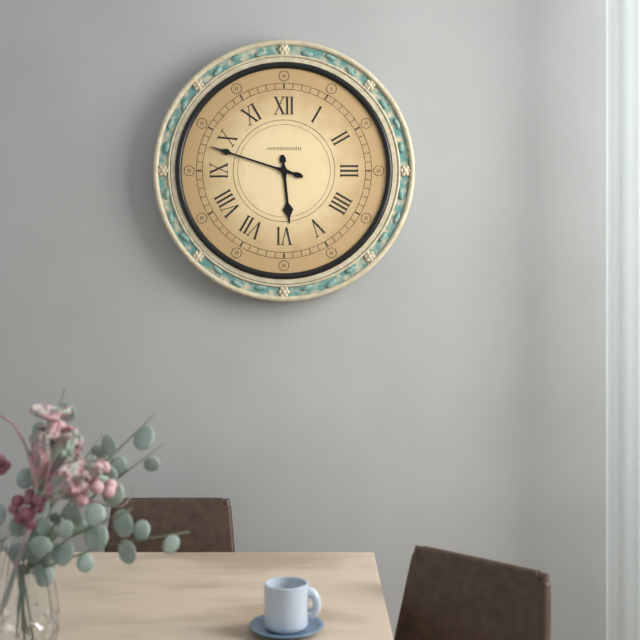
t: 5:48
